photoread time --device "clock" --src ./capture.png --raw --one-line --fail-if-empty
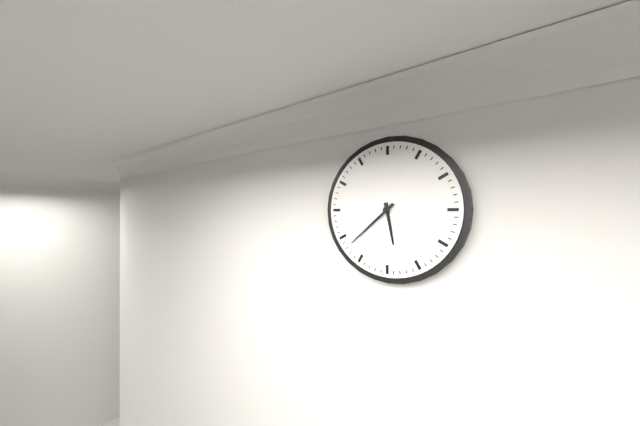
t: 5:38
